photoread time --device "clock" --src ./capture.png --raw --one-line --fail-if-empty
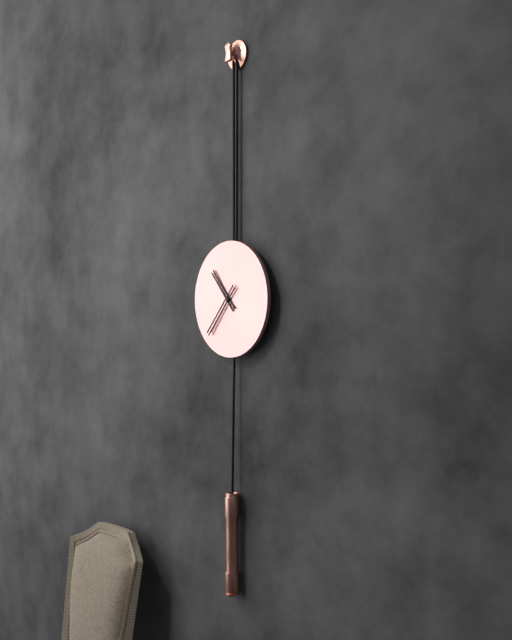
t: 10:37
